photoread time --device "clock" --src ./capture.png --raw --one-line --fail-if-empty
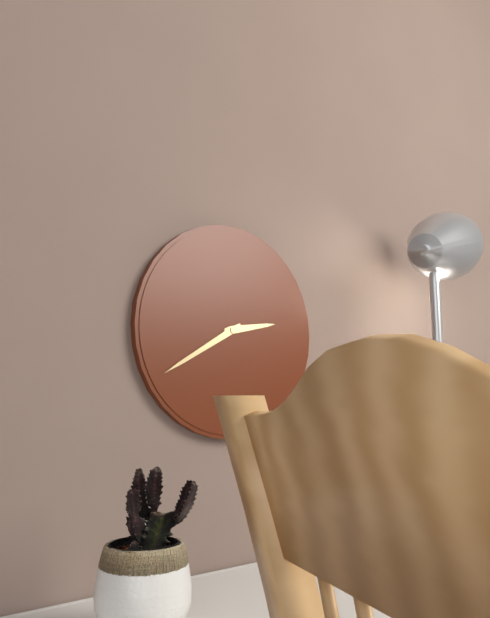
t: 2:40
